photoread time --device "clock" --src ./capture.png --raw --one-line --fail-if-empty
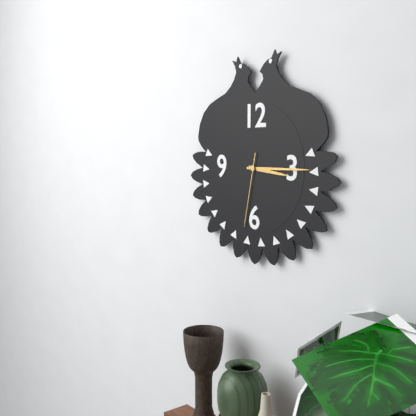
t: 3:15:32
